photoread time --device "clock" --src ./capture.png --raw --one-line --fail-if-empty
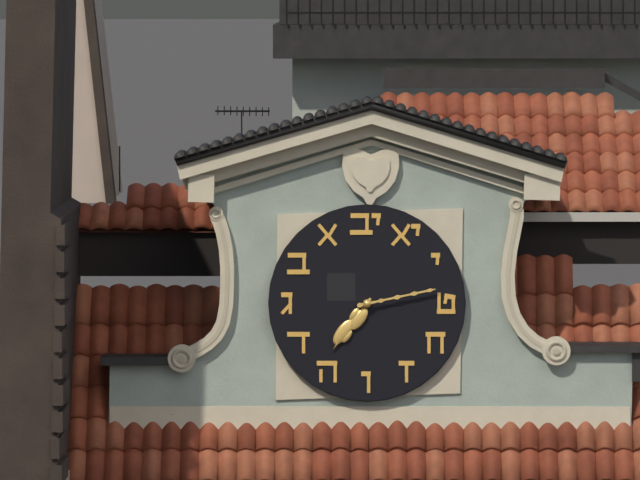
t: 7:13
